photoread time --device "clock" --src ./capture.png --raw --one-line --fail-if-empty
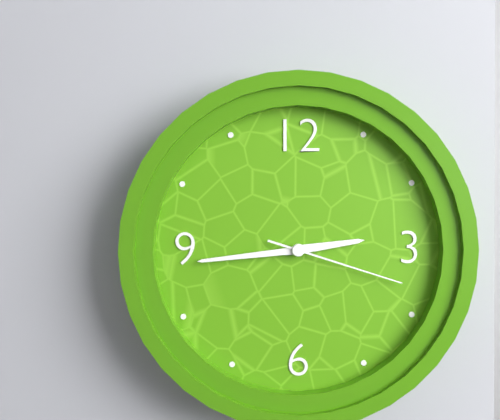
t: 2:44:18
